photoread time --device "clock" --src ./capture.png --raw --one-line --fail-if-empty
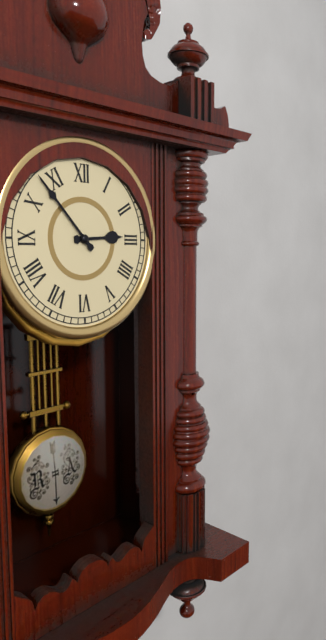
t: 2:53
